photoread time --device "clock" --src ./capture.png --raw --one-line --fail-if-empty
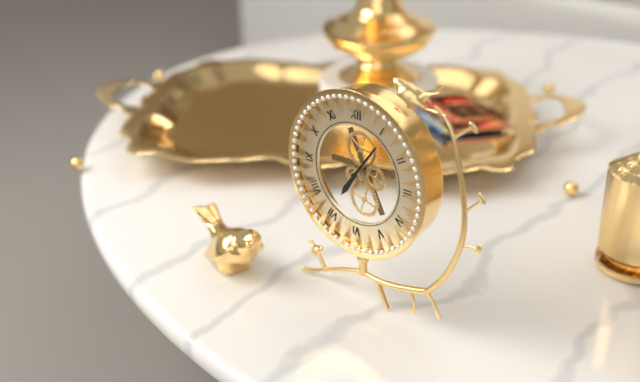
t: 7:06
